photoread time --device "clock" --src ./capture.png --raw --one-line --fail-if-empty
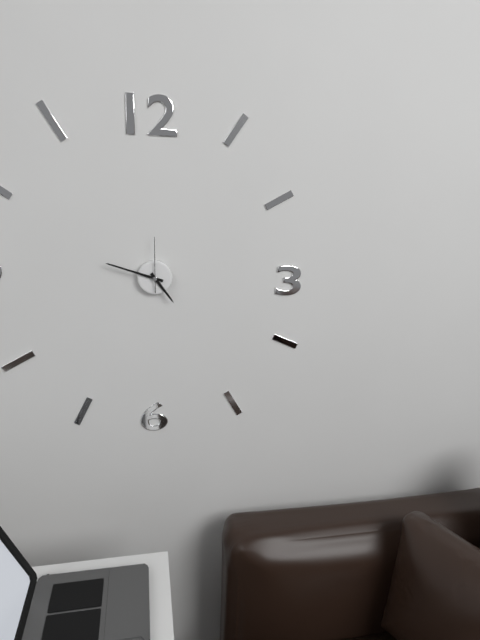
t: 4:48:00
